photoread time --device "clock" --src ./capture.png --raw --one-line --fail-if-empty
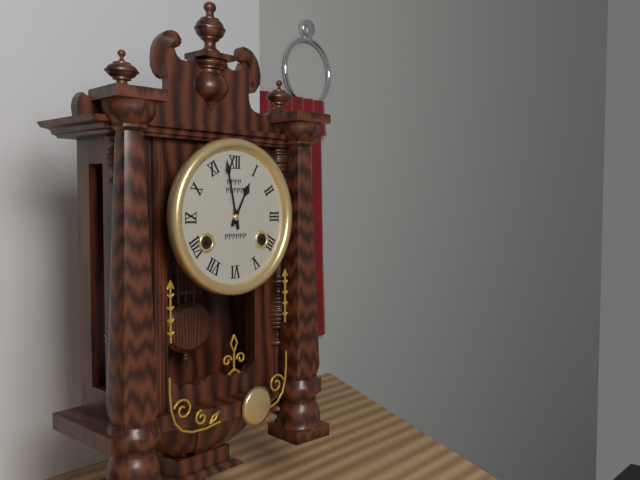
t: 12:58
